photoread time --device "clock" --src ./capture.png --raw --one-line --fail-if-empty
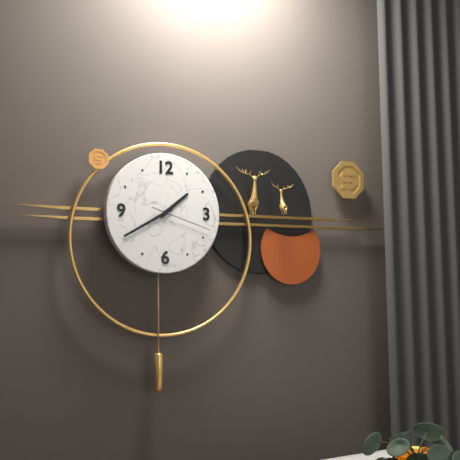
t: 1:40:18
